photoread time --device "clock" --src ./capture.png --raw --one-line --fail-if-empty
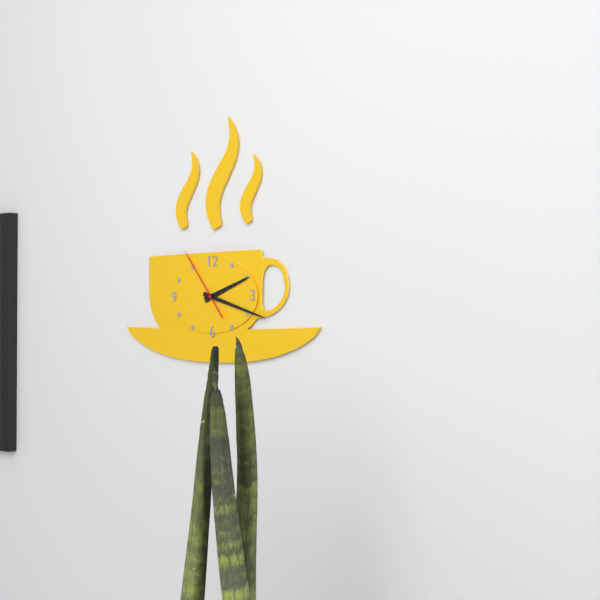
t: 2:18:54
